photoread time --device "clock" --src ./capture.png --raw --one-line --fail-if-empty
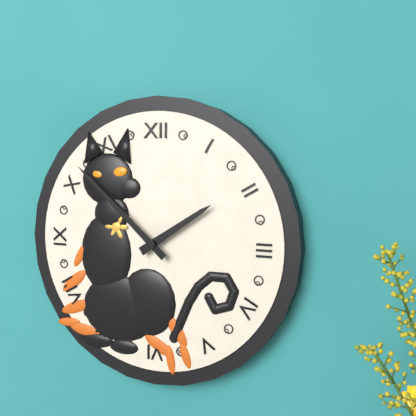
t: 1:52
